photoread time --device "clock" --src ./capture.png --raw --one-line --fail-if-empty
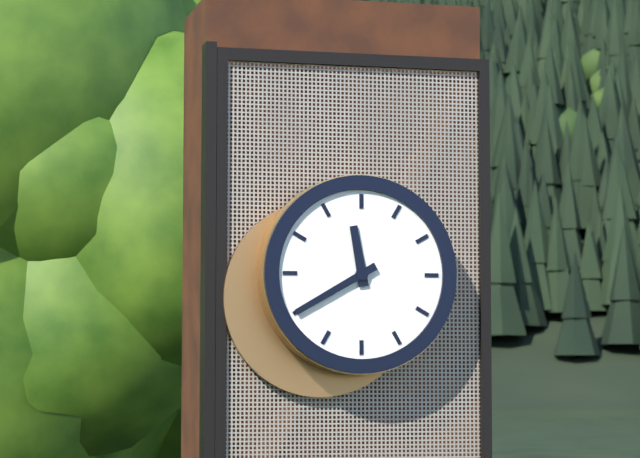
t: 11:40
